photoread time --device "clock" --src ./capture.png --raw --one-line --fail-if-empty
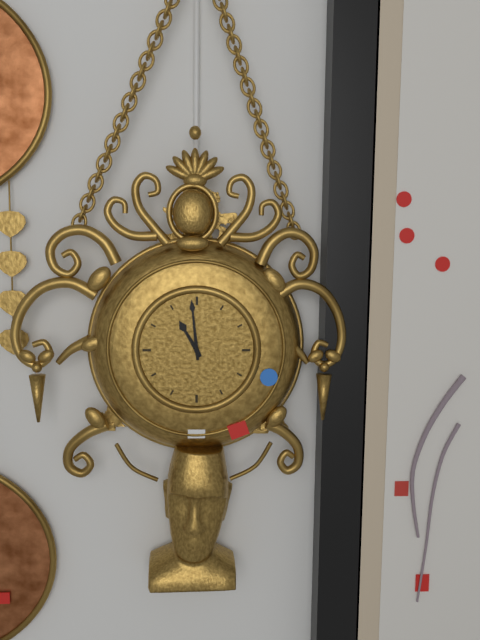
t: 10:59
